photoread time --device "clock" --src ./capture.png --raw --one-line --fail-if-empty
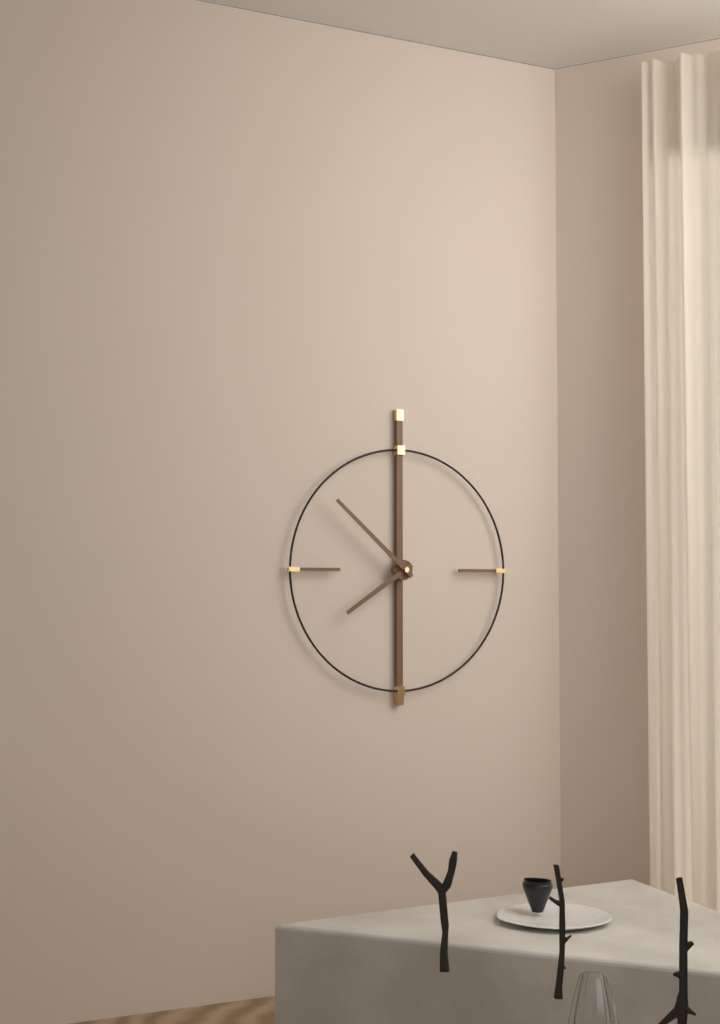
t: 7:52
